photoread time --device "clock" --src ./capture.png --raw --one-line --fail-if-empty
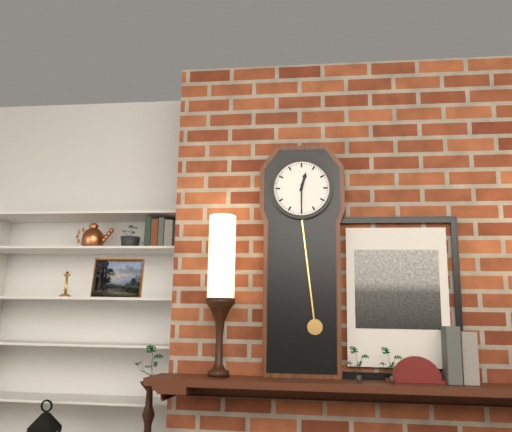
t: 12:30
